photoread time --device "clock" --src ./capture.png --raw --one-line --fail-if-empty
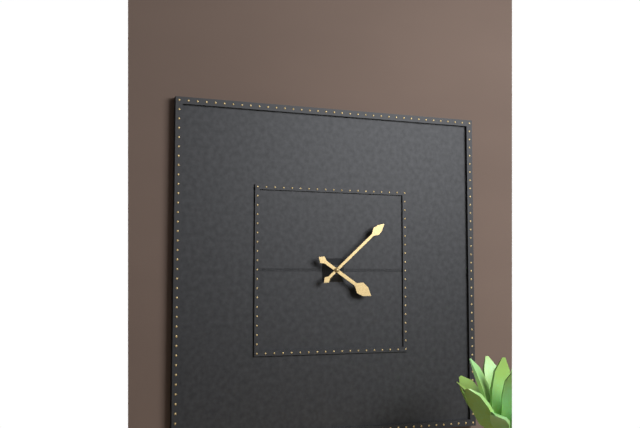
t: 4:08
